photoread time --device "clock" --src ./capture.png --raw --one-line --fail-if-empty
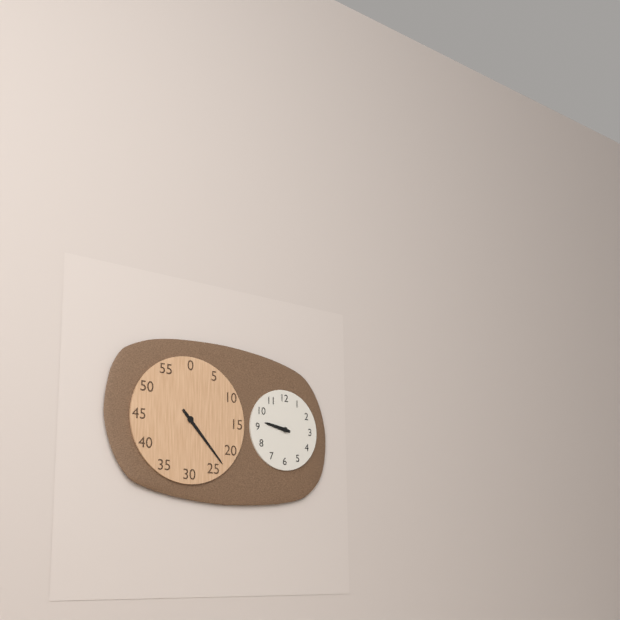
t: 9:23
